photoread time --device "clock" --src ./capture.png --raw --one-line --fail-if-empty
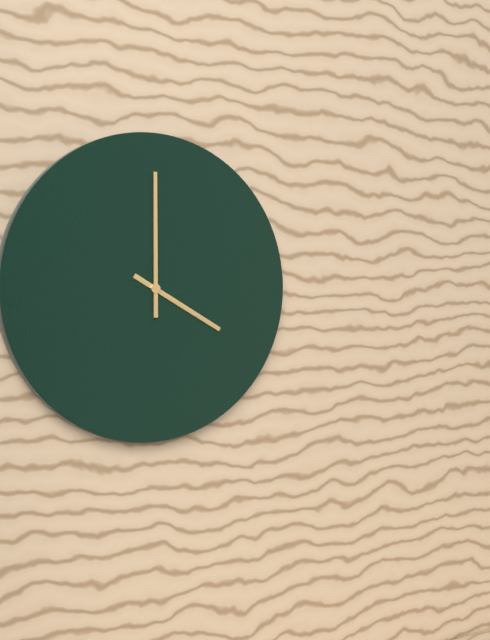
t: 4:00
